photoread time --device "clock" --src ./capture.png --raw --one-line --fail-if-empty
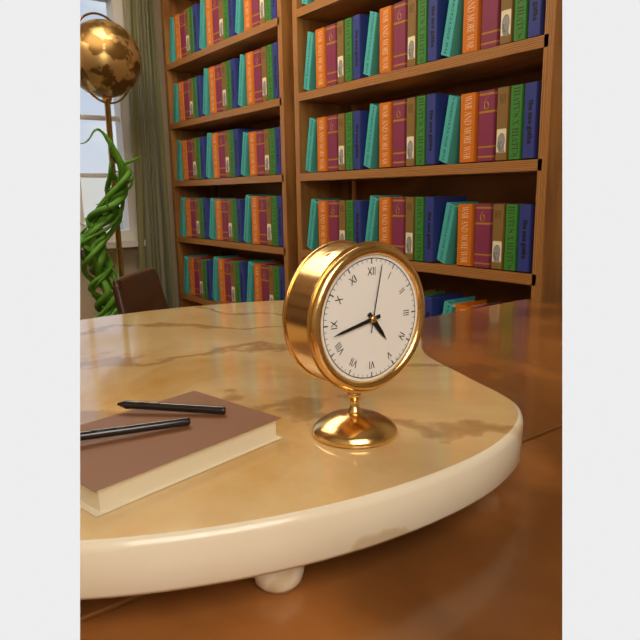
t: 4:43:02
